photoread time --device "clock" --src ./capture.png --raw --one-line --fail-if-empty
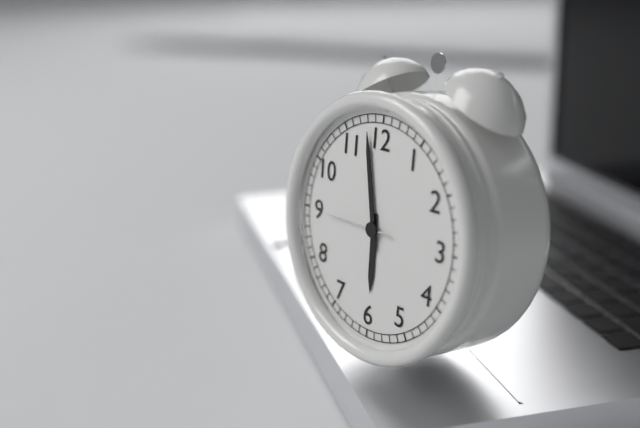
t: 5:58:45
